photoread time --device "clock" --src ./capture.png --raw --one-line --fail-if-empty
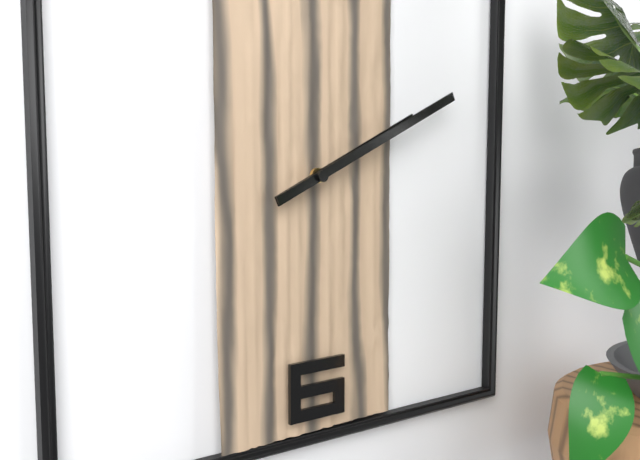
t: 2:11
